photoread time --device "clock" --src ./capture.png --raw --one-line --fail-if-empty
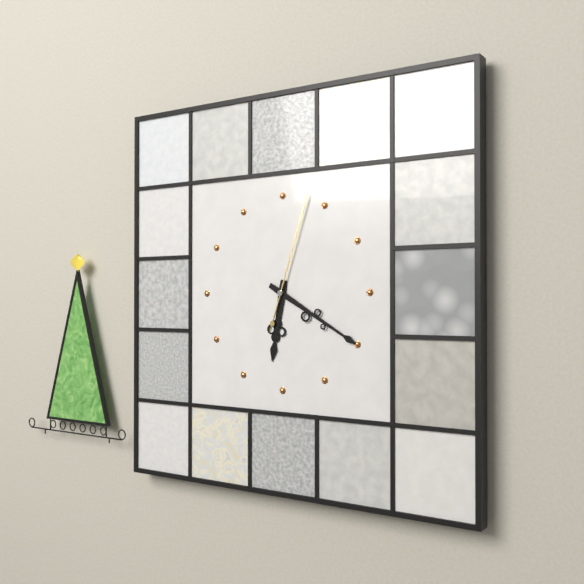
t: 6:20:03
